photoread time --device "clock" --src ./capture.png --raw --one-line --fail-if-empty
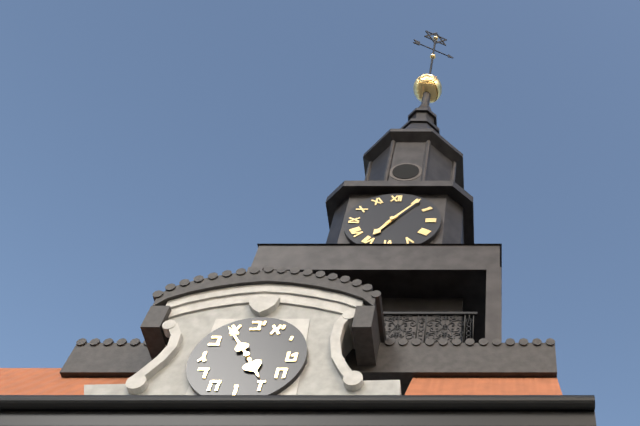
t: 7:06
